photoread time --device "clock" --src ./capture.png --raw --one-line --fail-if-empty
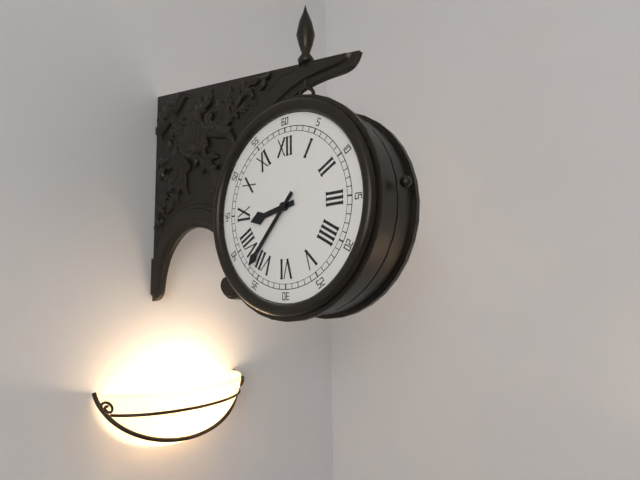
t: 8:37
